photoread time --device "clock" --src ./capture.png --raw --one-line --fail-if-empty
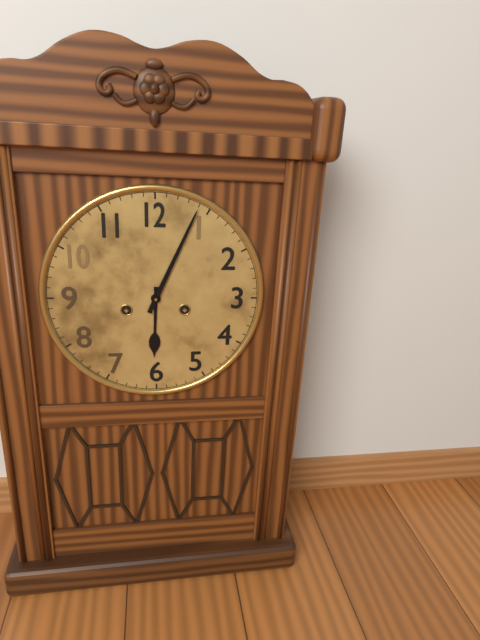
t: 6:04
